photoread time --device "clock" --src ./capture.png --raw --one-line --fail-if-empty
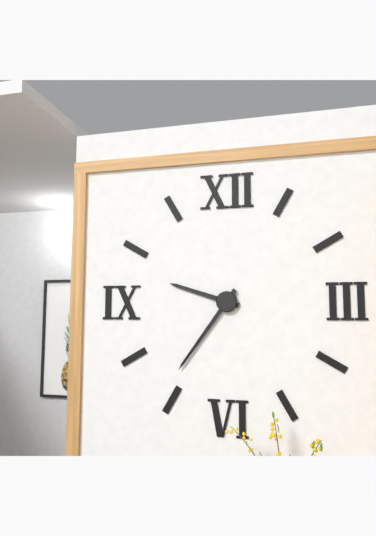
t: 9:36
